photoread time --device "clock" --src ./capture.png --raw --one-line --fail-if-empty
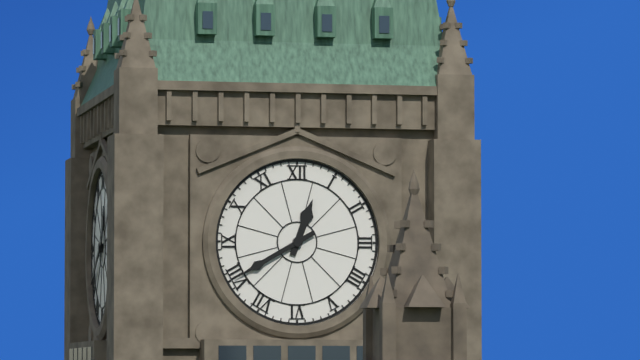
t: 12:40
